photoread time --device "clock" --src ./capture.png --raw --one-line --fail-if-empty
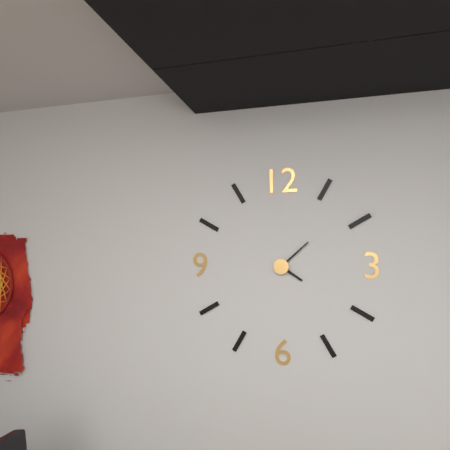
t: 4:08
